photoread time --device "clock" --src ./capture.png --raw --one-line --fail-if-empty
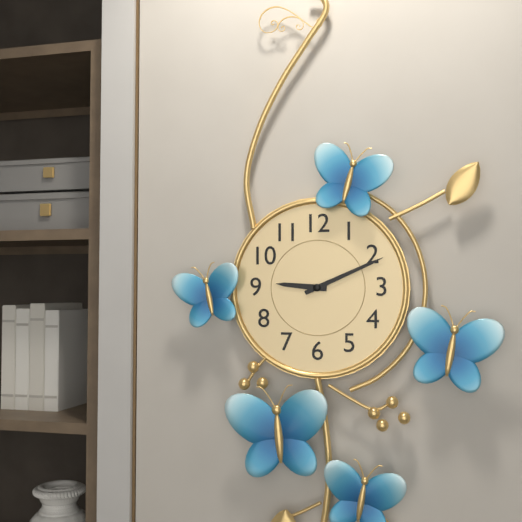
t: 9:11
